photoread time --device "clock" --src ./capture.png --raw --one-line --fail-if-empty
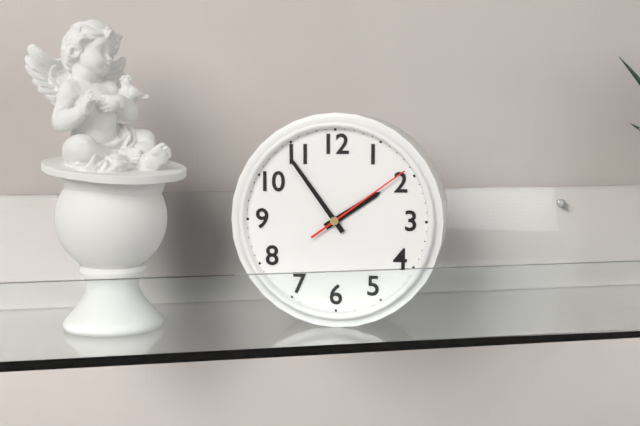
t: 1:54:09
